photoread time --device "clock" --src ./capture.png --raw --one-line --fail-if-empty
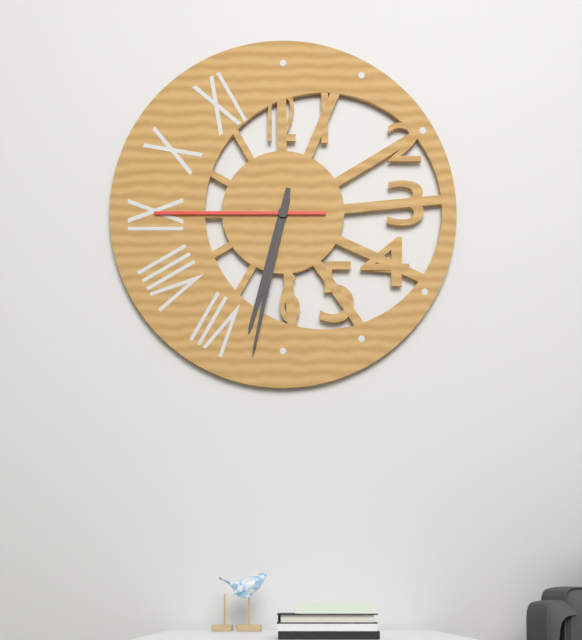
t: 6:32:45
